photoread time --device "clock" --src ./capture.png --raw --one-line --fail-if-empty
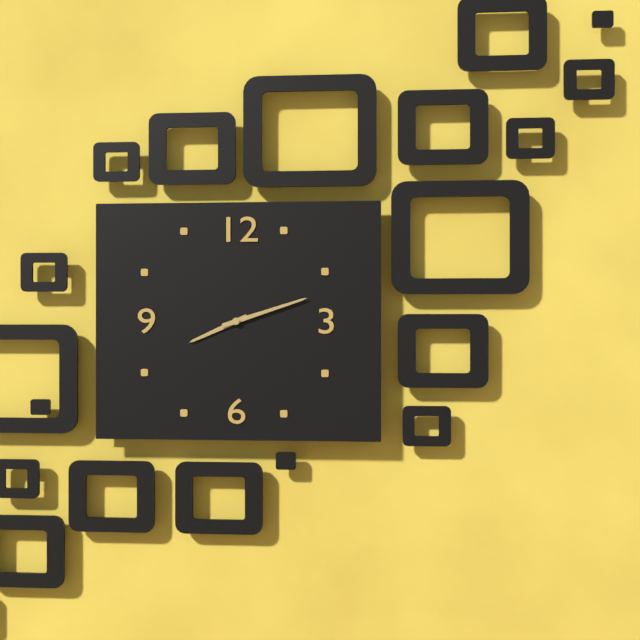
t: 8:12
